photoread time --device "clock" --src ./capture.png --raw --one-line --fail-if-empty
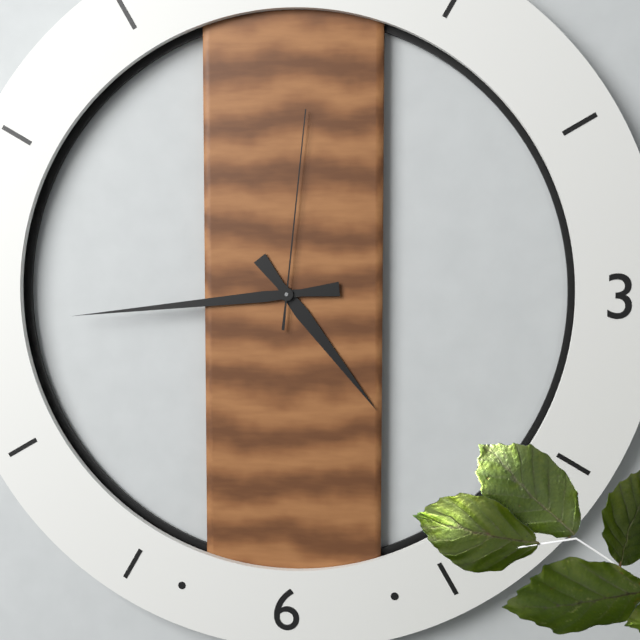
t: 4:44:01
